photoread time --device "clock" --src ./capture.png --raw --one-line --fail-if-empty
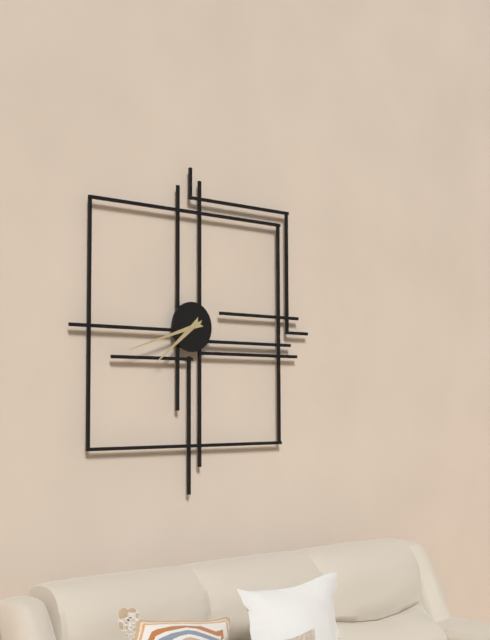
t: 7:42
